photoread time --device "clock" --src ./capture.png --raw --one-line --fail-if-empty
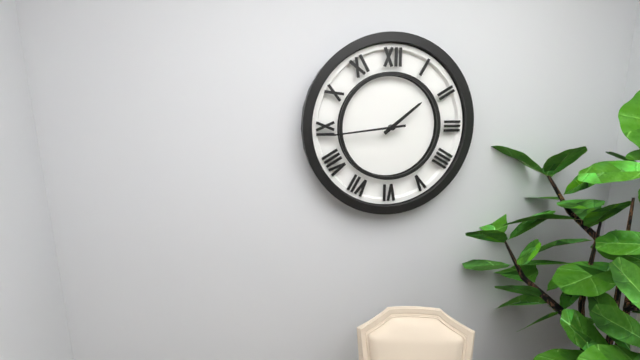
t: 1:44
